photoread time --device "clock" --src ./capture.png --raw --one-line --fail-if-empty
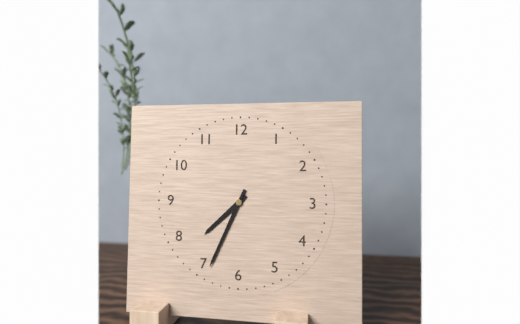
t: 7:34
